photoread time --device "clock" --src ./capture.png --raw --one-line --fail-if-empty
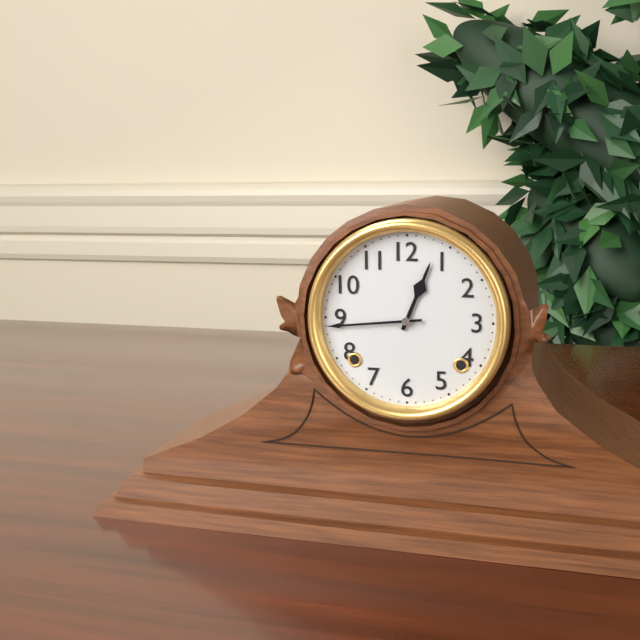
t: 12:44
